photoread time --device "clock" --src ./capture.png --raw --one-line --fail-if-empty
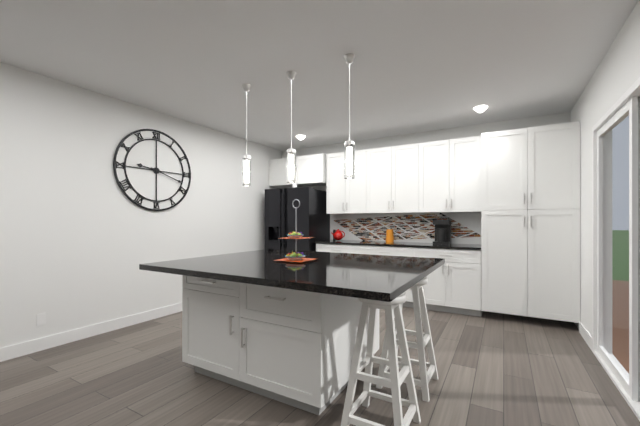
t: 9:18
